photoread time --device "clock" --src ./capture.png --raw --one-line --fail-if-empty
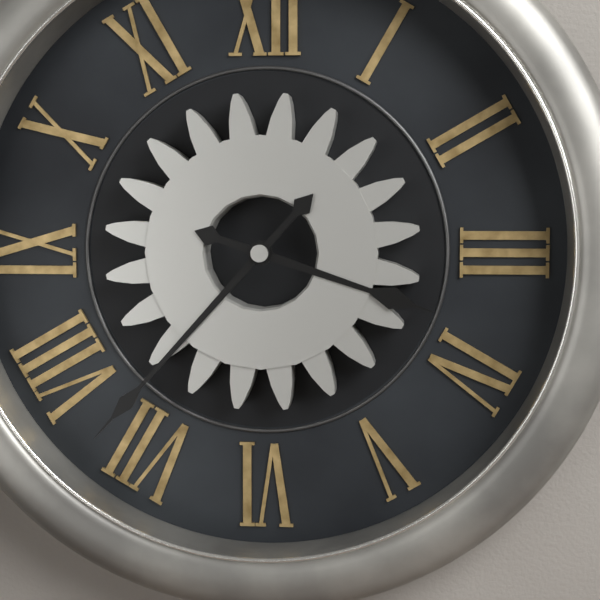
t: 3:37
